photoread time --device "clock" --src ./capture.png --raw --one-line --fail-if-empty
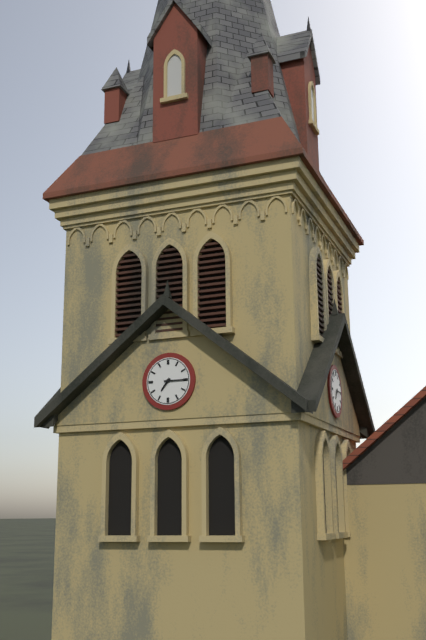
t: 7:15
